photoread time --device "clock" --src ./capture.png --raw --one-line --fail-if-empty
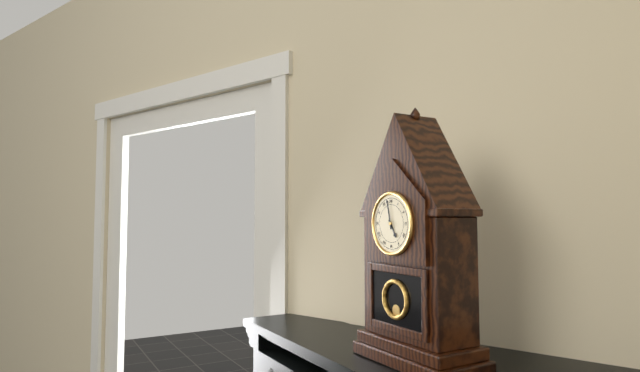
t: 4:58
